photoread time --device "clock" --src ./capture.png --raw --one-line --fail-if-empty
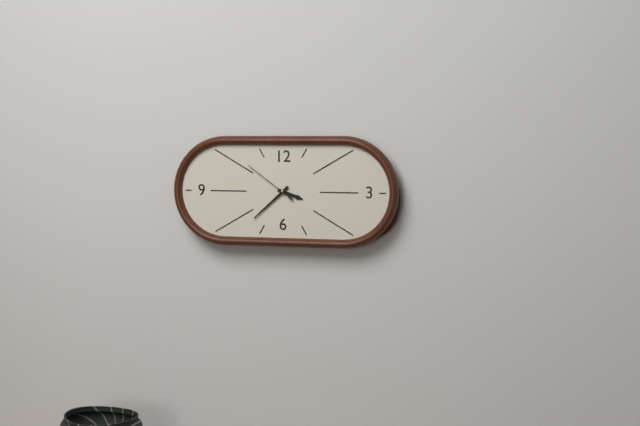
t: 3:38:51
